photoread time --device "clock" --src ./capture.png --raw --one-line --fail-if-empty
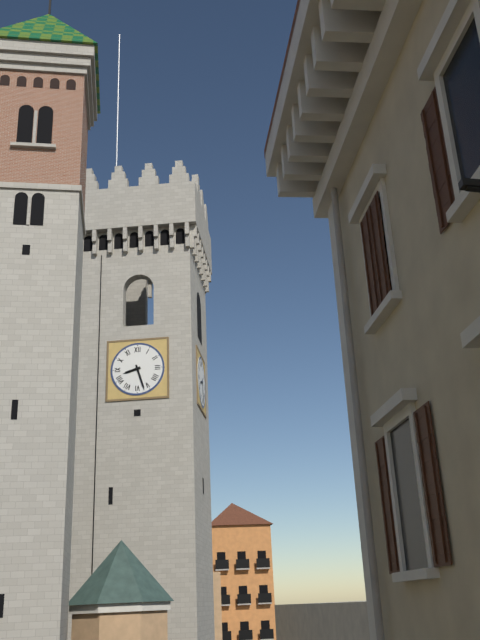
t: 8:27
